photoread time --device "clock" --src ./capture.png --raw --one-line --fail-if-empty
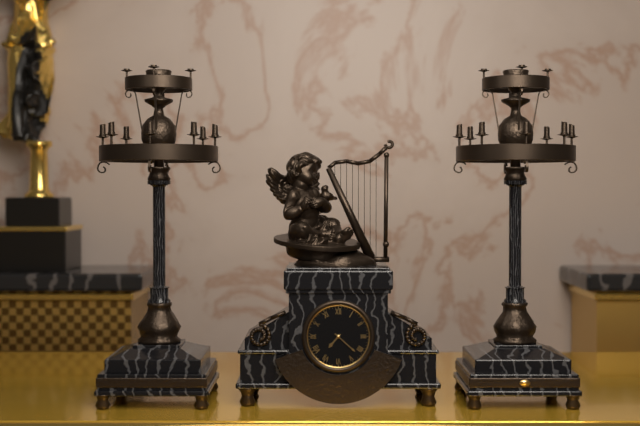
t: 7:22
